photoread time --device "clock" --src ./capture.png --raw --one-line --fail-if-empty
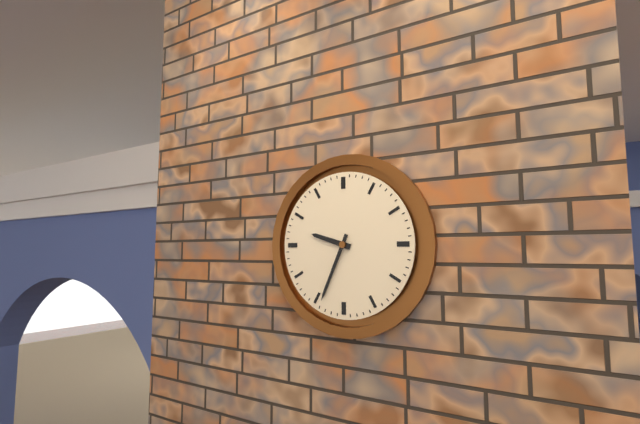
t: 9:34
